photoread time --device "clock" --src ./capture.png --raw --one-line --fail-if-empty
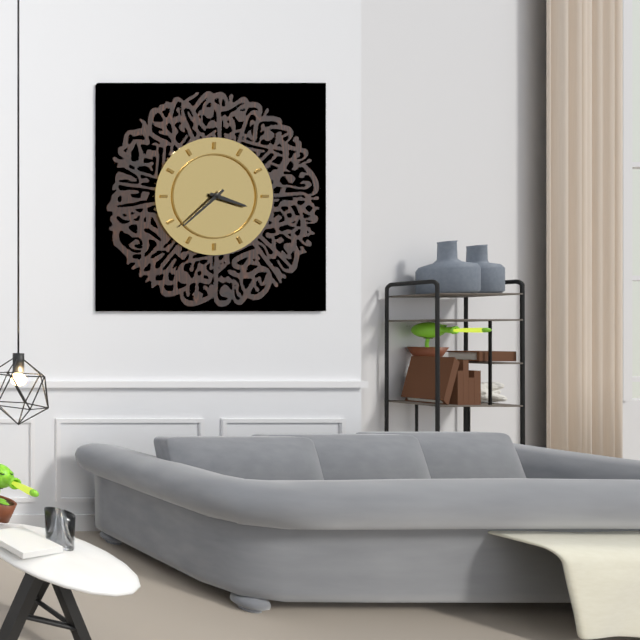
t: 3:38
